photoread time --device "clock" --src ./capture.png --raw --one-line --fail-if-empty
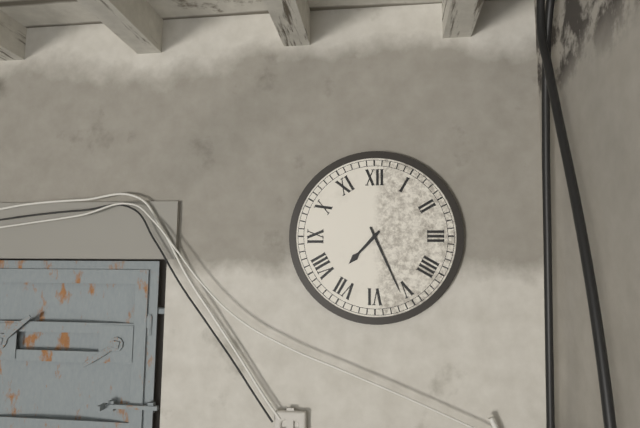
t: 7:26
